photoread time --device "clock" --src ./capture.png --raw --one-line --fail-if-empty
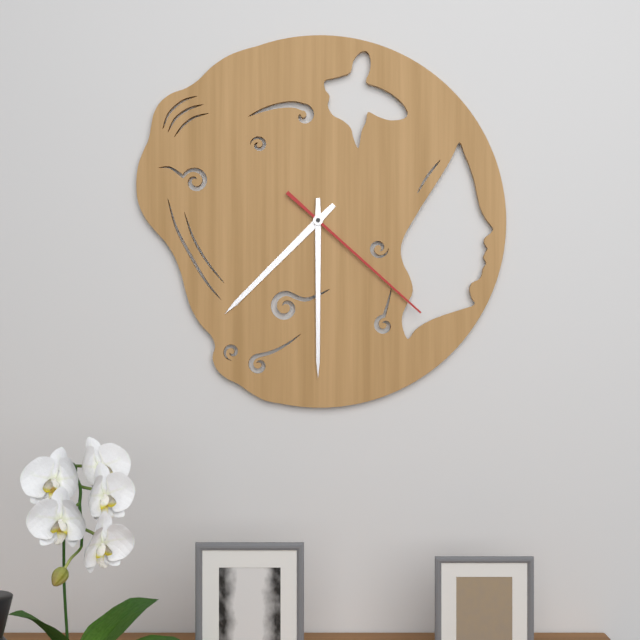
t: 7:30:22
